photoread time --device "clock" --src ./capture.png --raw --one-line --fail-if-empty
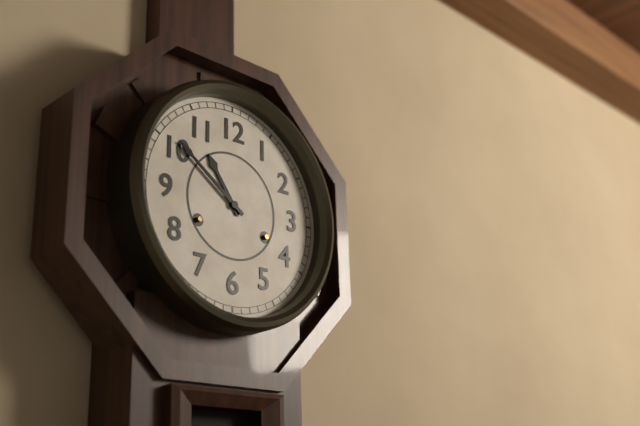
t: 10:51
